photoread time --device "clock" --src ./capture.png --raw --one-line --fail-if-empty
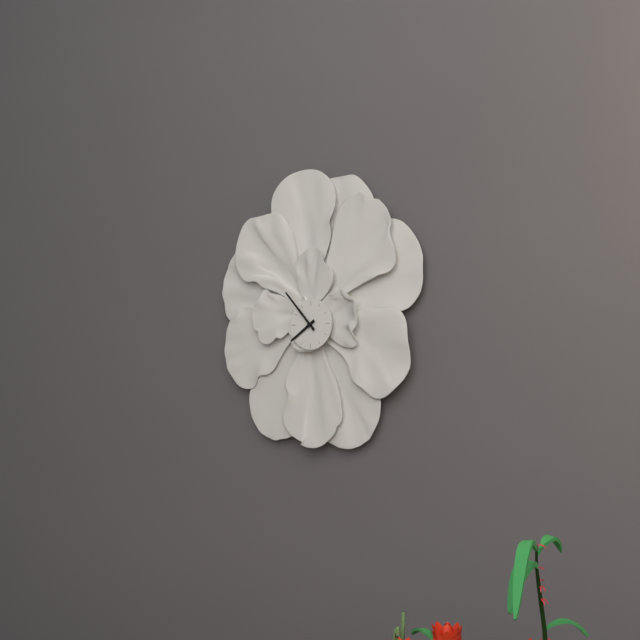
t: 7:53
